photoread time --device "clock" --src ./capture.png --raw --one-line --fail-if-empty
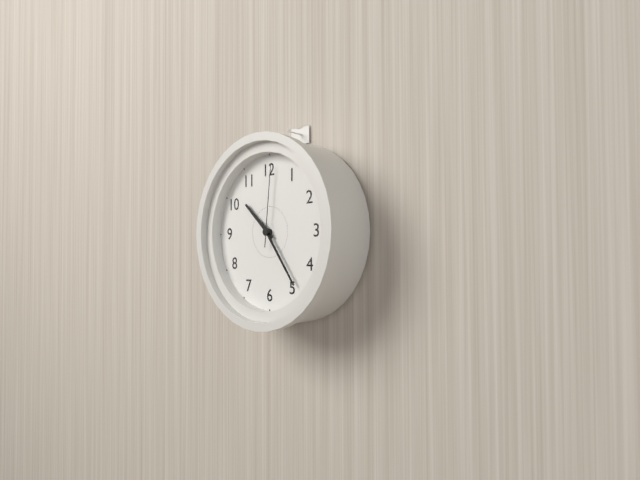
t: 10:24:01
